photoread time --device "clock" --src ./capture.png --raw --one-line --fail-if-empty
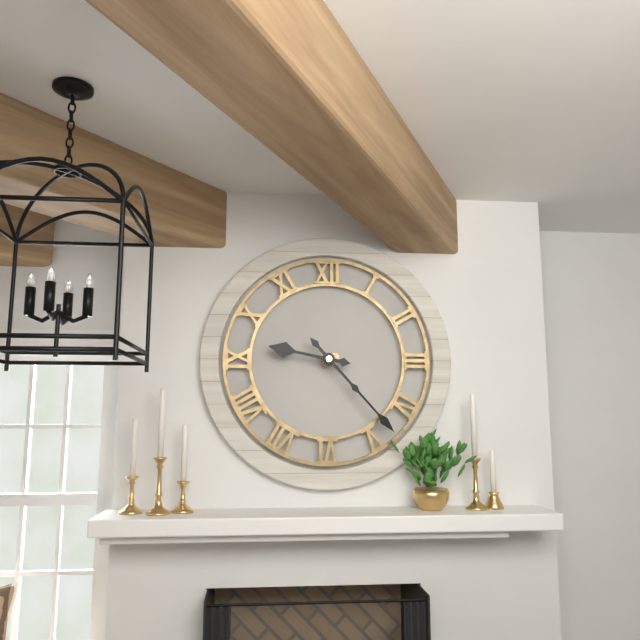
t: 9:23
